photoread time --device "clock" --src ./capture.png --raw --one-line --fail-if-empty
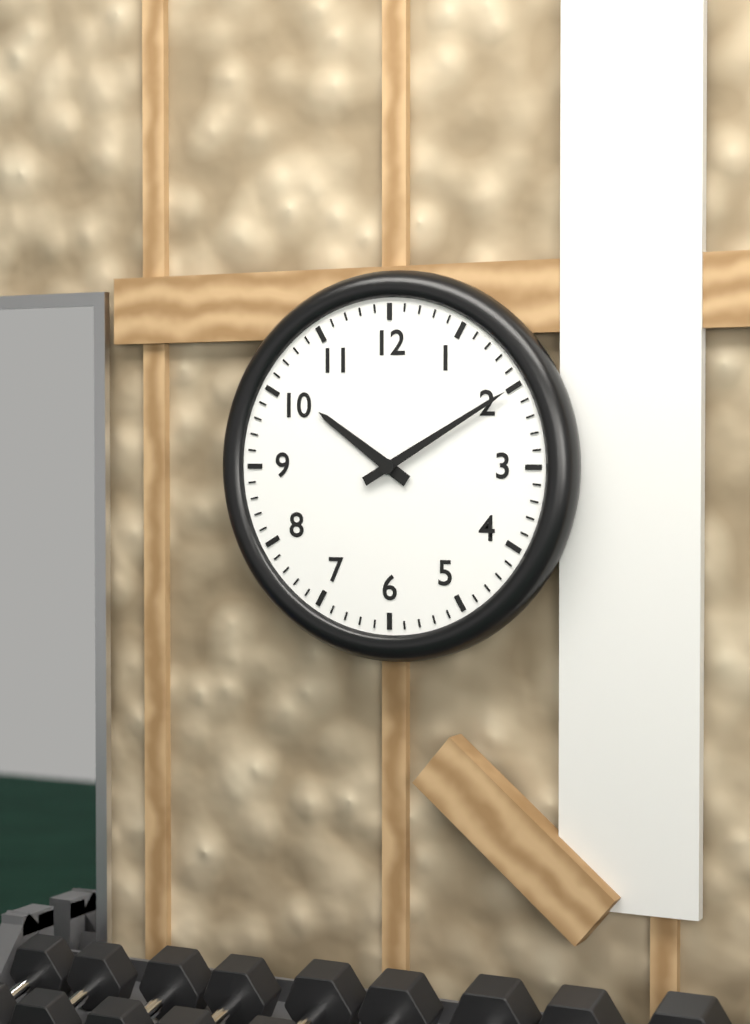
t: 10:10
